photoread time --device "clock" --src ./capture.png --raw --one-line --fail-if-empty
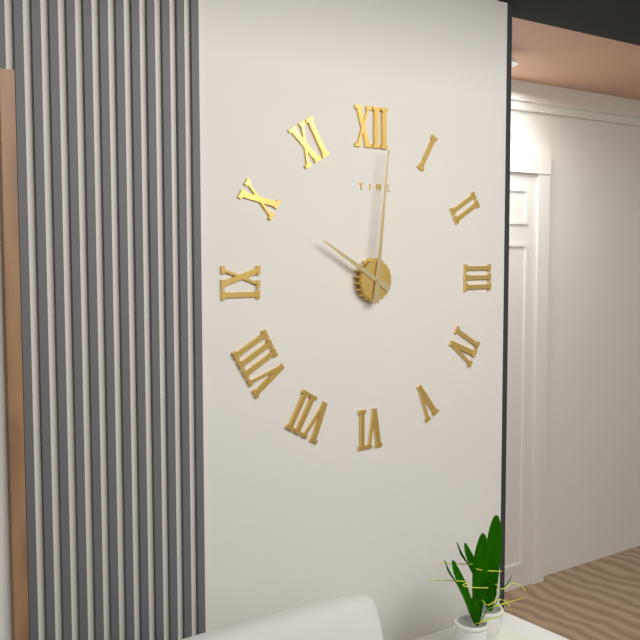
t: 10:01
